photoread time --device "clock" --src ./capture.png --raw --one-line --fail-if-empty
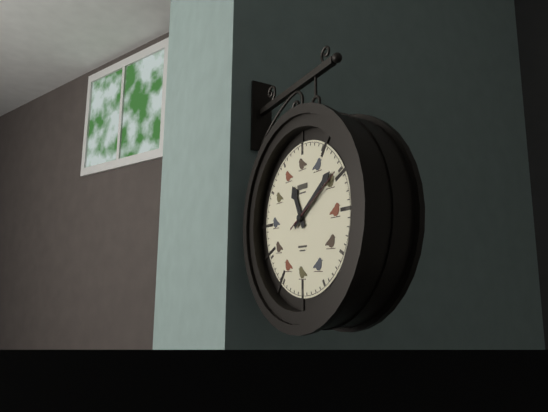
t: 11:09:10
